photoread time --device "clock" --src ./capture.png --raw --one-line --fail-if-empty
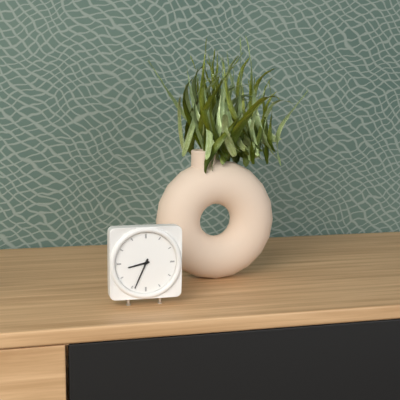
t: 8:34
